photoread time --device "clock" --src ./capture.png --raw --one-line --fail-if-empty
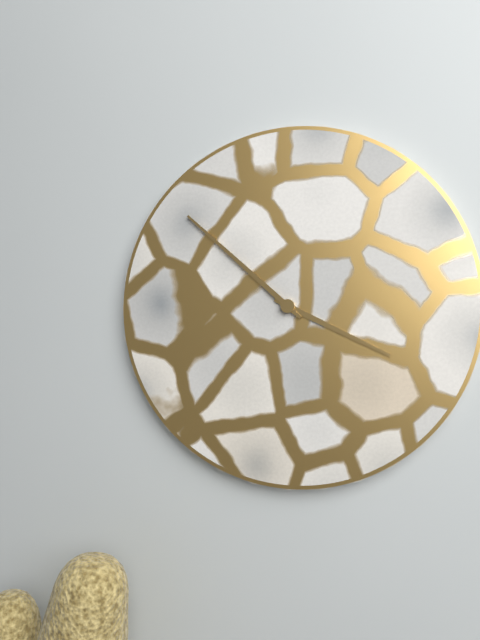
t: 3:52
